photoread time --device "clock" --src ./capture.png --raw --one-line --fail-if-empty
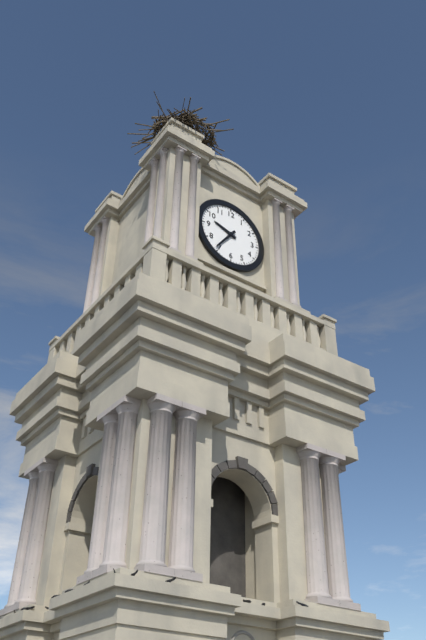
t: 9:36
